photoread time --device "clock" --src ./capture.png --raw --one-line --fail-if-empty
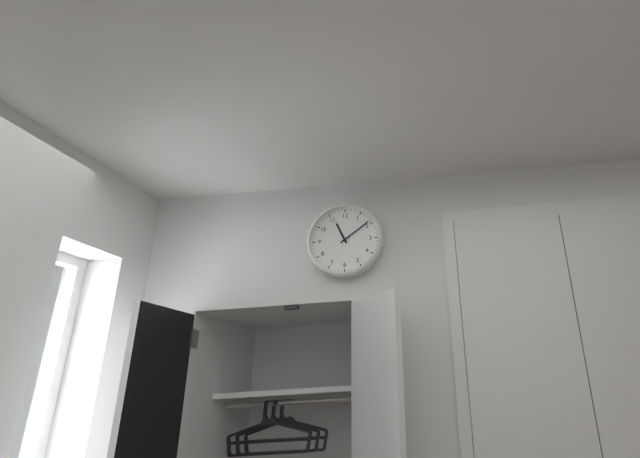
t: 11:09
